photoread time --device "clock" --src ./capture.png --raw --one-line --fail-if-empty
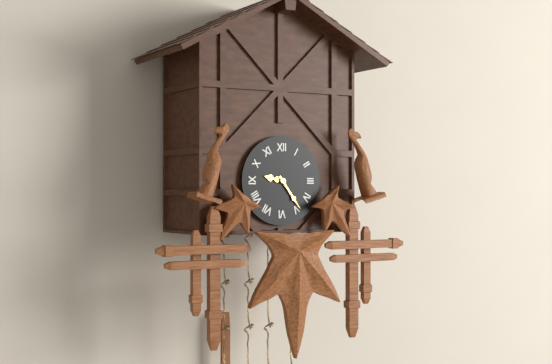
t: 9:24
